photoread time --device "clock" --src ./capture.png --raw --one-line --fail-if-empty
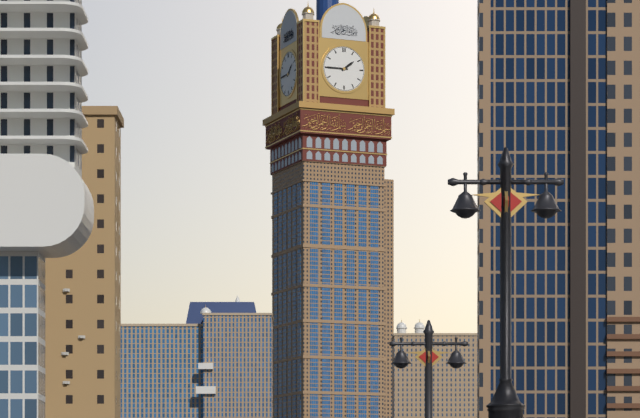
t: 1:45
